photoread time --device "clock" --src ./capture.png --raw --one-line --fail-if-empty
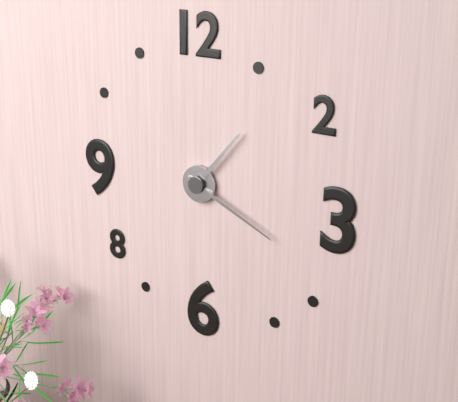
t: 1:19
